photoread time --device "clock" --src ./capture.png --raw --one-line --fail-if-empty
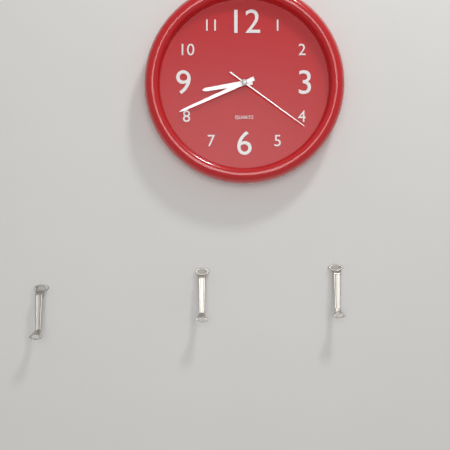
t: 8:41:21
